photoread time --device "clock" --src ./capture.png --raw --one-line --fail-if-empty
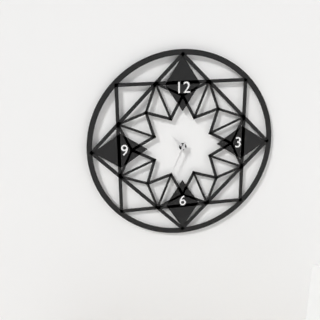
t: 10:34
